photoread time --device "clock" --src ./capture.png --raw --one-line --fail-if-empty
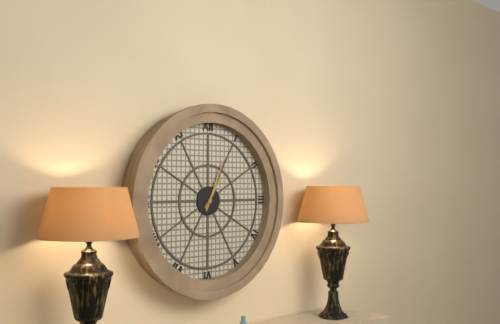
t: 1:04
